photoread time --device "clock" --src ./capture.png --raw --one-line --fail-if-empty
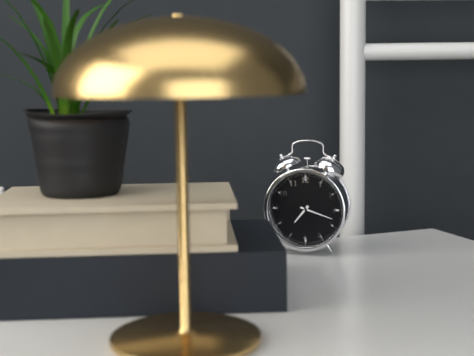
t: 7:18
